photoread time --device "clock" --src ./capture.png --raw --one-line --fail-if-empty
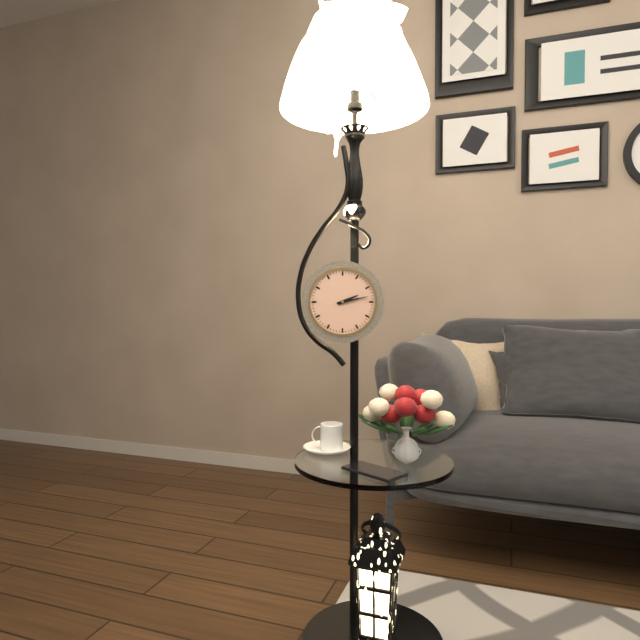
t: 2:13
